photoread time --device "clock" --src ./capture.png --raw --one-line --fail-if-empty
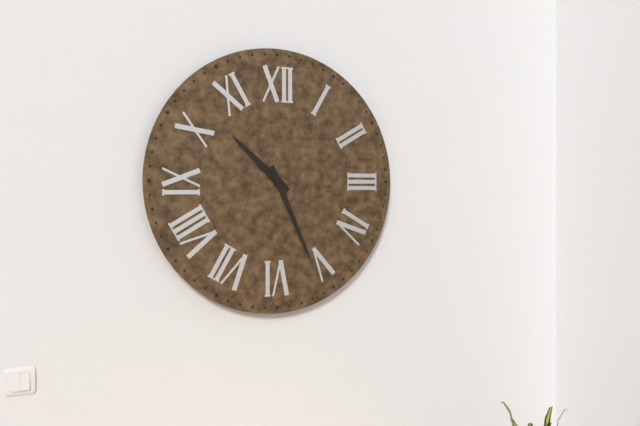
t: 10:26
